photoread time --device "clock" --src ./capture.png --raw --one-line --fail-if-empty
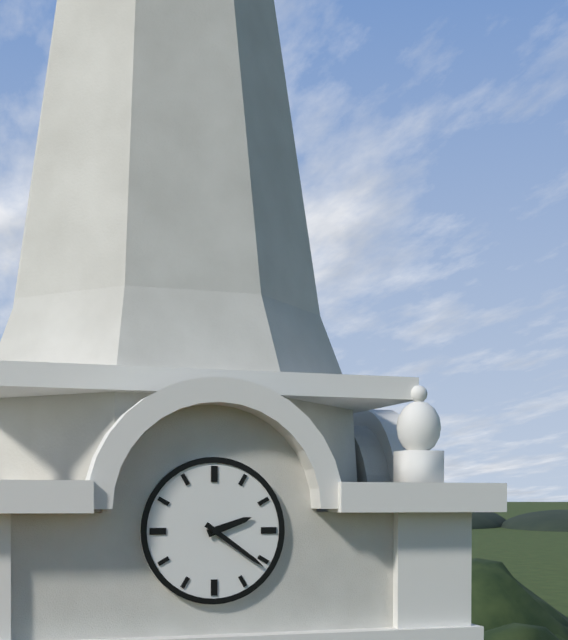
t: 2:21
